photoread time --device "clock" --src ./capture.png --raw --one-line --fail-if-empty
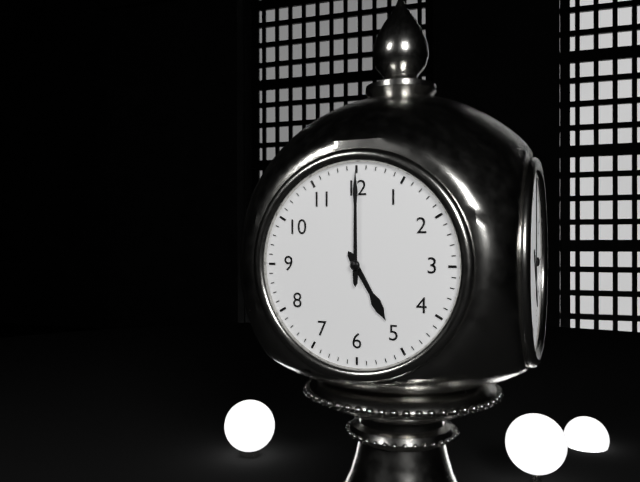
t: 5:00
